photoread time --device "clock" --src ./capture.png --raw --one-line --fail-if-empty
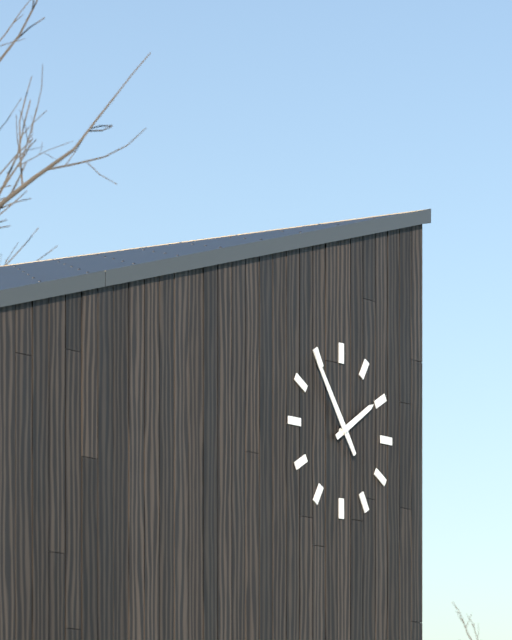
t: 1:54
